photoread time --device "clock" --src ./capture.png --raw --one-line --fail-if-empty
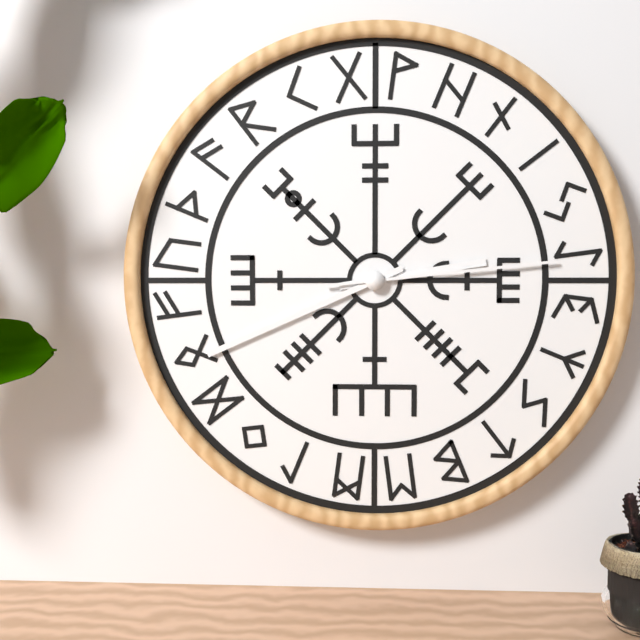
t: 2:41:14
